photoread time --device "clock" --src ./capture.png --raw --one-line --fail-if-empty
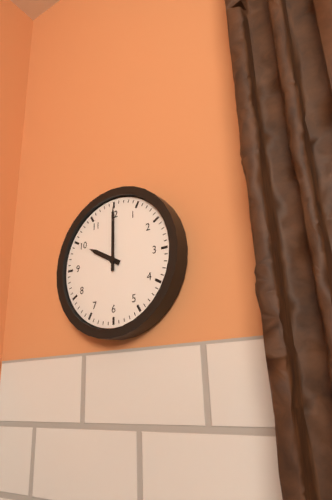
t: 10:00
